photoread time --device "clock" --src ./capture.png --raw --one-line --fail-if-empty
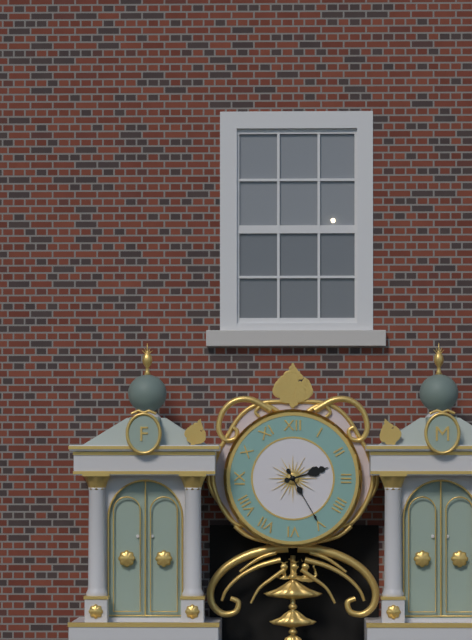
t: 2:25
